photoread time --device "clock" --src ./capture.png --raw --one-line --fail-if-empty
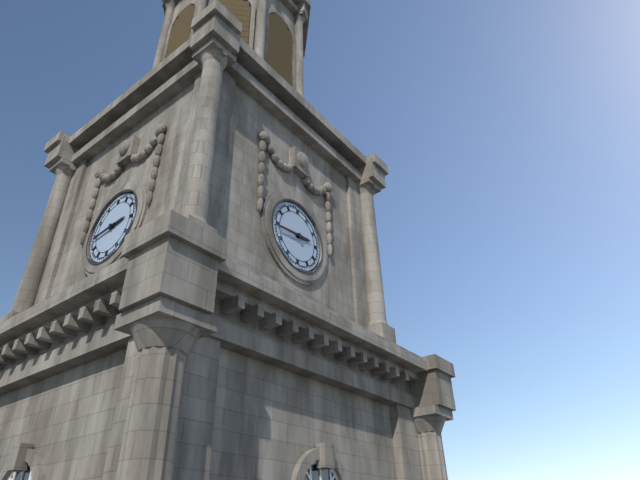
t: 2:44
